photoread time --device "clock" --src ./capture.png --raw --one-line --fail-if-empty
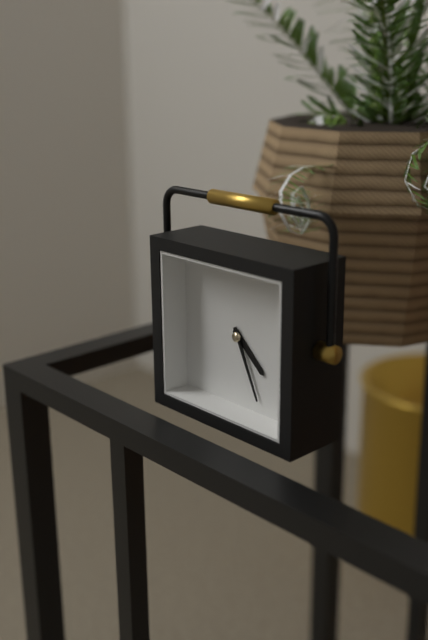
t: 4:26
